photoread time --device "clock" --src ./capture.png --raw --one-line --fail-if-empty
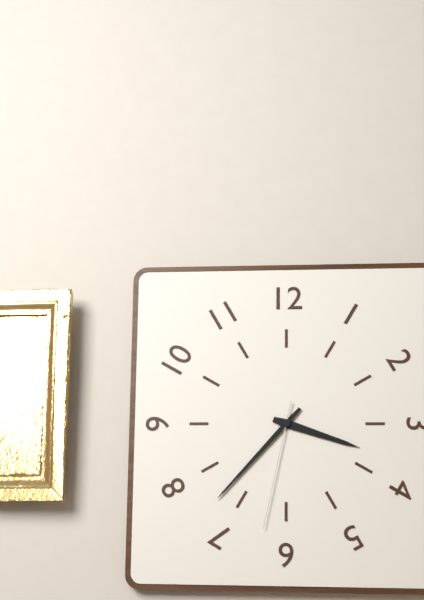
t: 3:37:32
